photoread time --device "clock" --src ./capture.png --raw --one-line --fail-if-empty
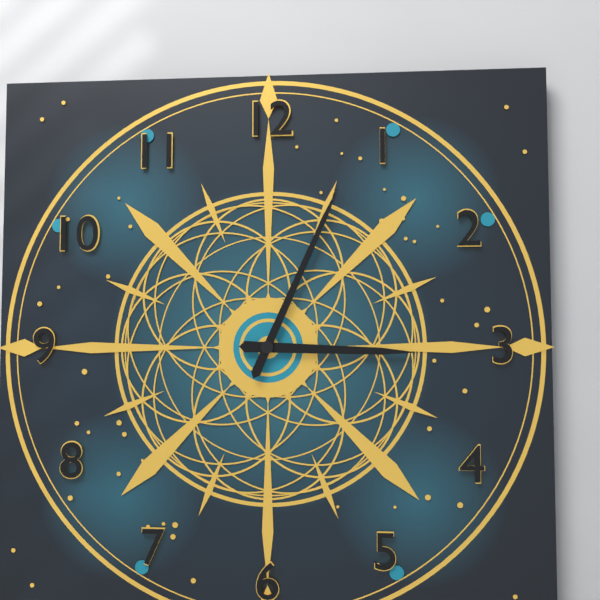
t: 3:04
